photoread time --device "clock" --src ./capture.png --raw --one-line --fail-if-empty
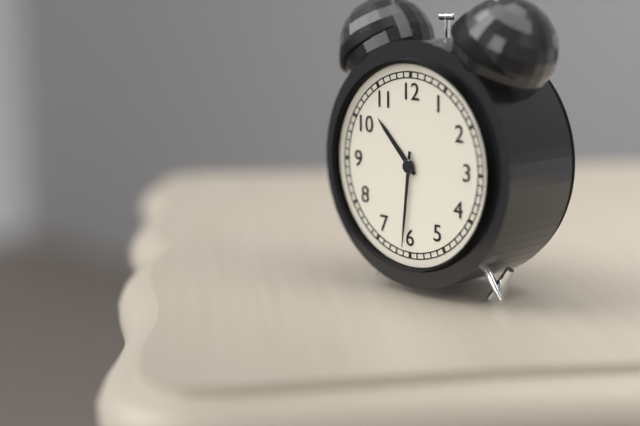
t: 10:31
